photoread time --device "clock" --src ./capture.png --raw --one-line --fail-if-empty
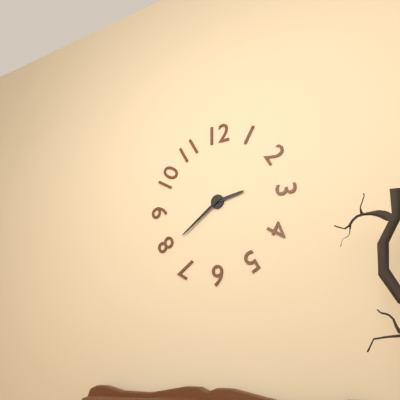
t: 2:39
